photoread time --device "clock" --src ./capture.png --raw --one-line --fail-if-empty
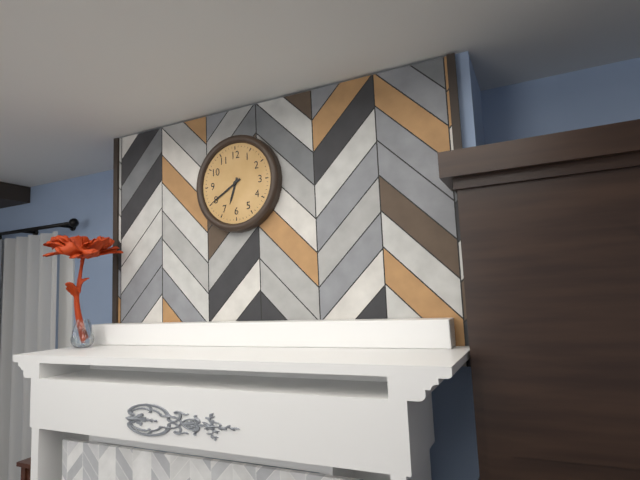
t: 6:40
